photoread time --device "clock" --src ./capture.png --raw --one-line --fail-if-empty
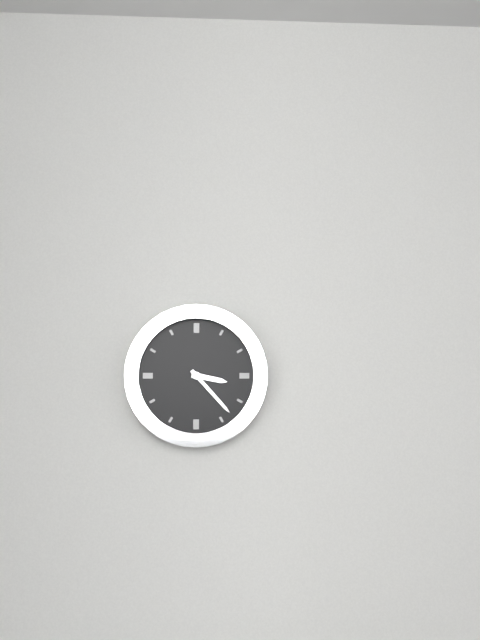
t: 3:23
